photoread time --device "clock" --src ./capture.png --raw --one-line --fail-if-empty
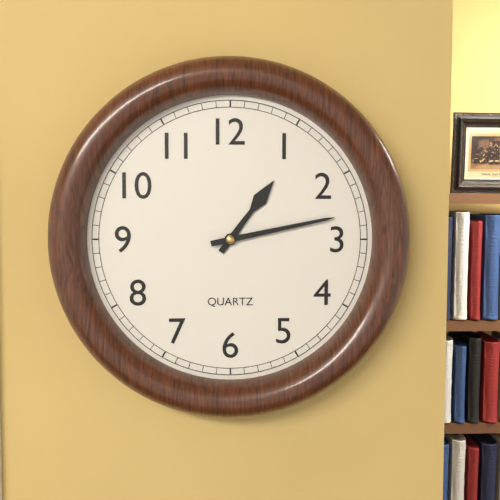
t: 1:13
